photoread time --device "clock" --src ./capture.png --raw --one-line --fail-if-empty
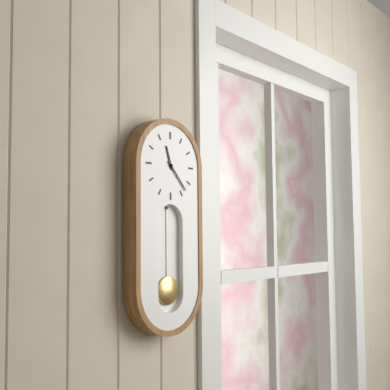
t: 11:23
